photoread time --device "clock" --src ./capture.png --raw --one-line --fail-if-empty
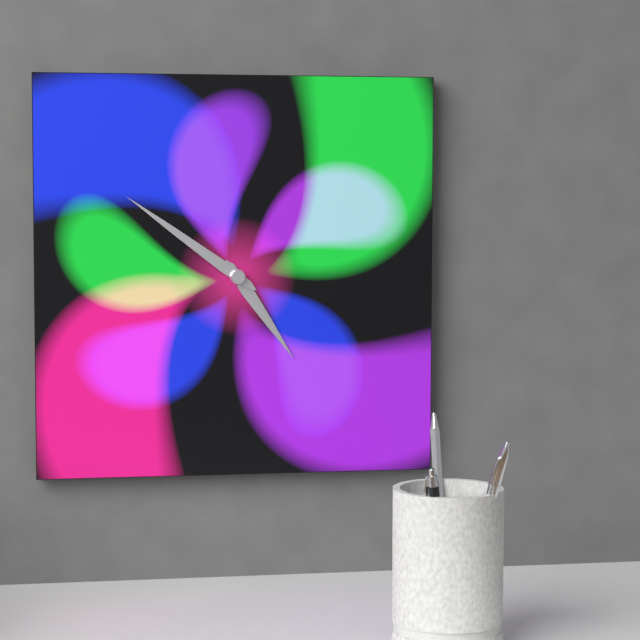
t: 4:51
